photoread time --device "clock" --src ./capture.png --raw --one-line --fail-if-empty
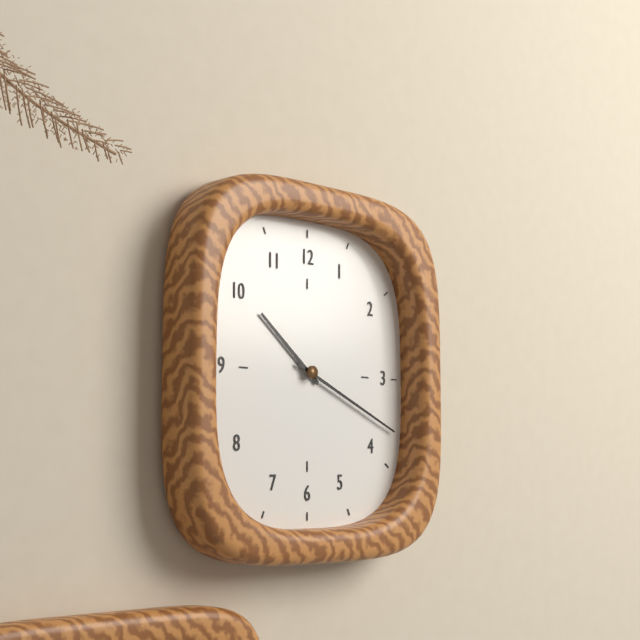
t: 10:19
